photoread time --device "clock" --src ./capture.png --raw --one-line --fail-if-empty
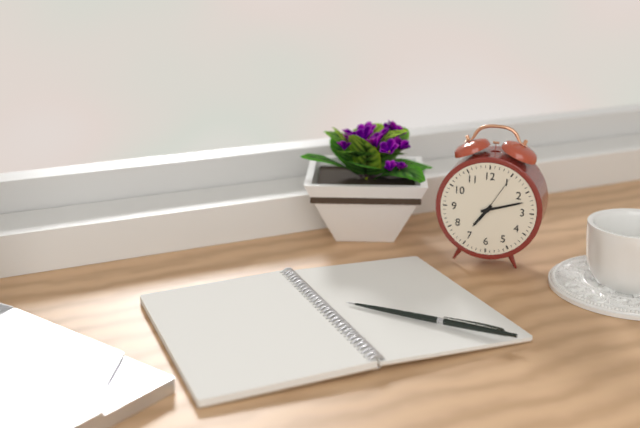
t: 7:12
